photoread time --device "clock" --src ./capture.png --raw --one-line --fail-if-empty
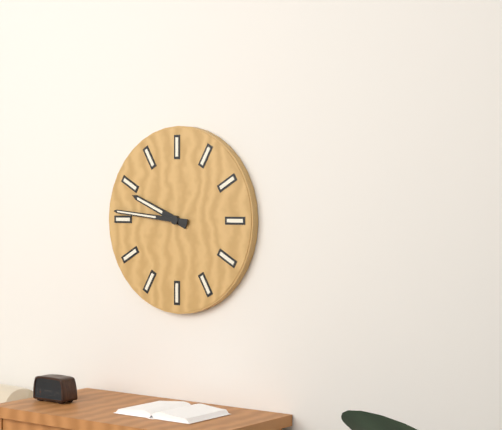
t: 9:46
